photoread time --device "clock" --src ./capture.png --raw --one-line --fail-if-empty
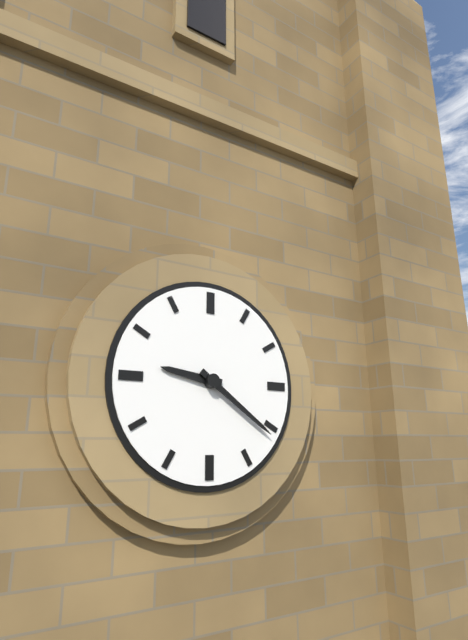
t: 9:21
